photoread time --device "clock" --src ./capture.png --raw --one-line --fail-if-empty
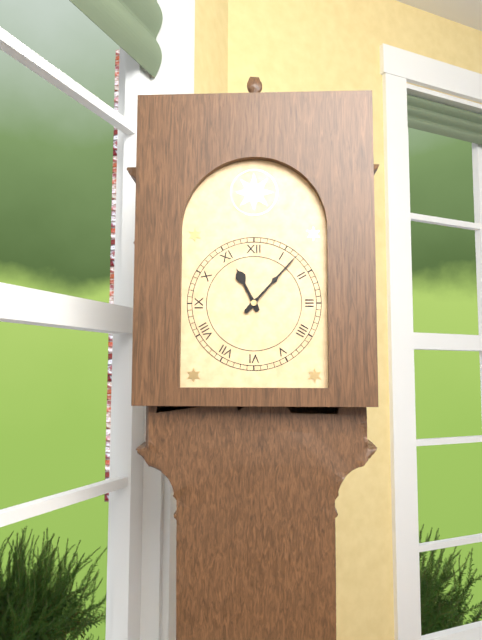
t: 11:07
